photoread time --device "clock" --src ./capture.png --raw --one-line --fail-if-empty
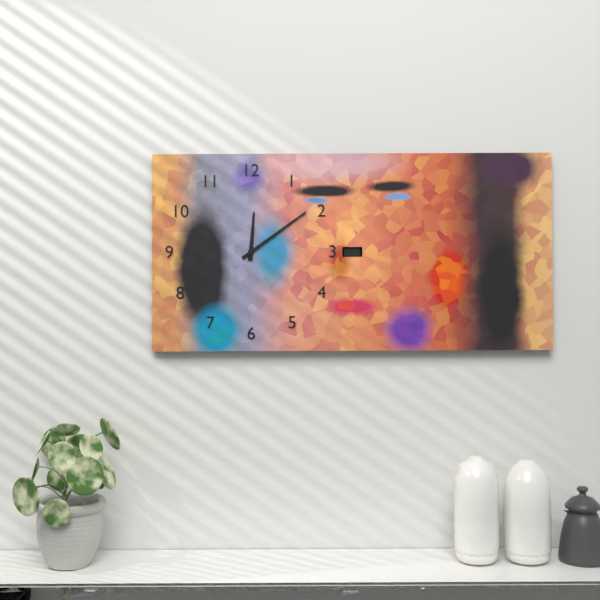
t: 12:09
